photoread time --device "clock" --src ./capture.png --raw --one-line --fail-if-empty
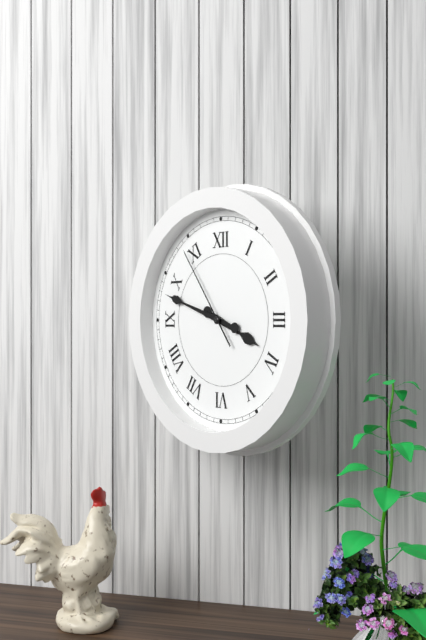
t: 3:48:54
